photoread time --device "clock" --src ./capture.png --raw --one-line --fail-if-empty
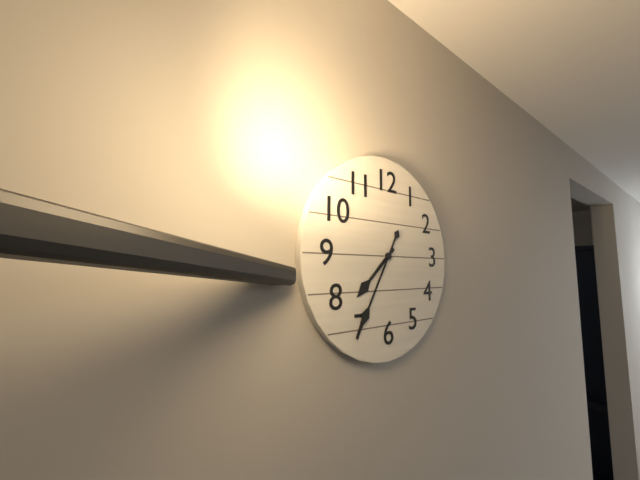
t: 7:35
